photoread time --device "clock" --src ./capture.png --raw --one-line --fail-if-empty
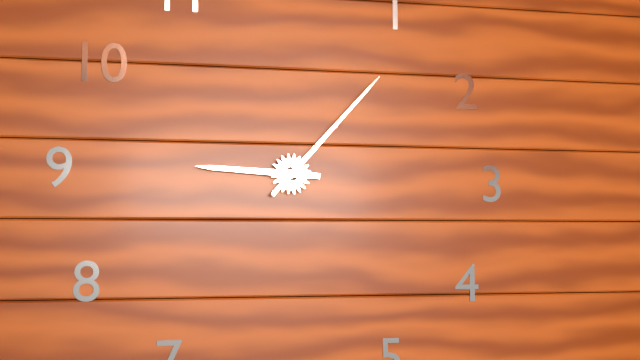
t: 9:07
